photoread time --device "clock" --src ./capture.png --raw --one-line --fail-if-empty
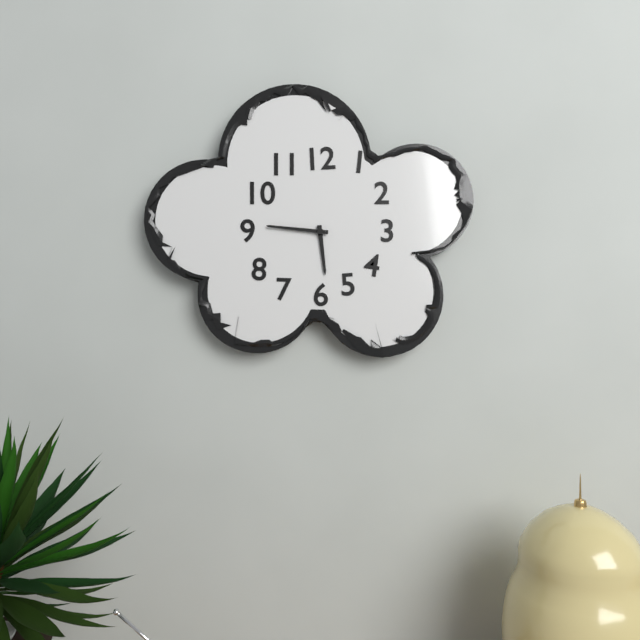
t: 5:46
